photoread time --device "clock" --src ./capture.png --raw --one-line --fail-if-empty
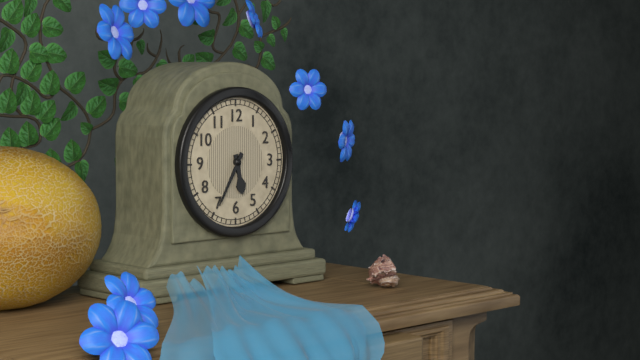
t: 5:35
